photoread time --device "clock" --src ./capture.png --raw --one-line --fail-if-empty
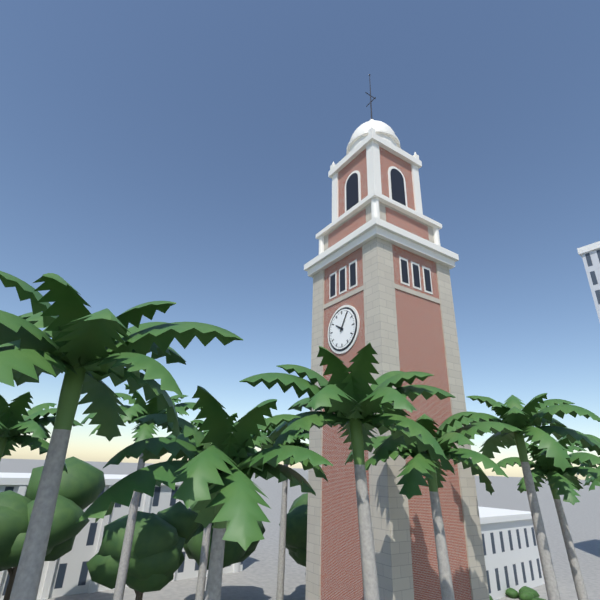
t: 10:05
